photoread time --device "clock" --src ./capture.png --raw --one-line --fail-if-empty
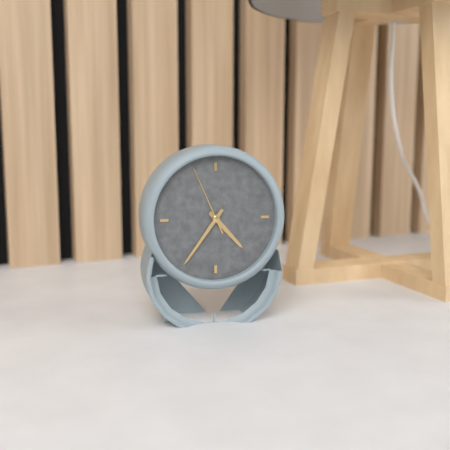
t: 4:36:56
